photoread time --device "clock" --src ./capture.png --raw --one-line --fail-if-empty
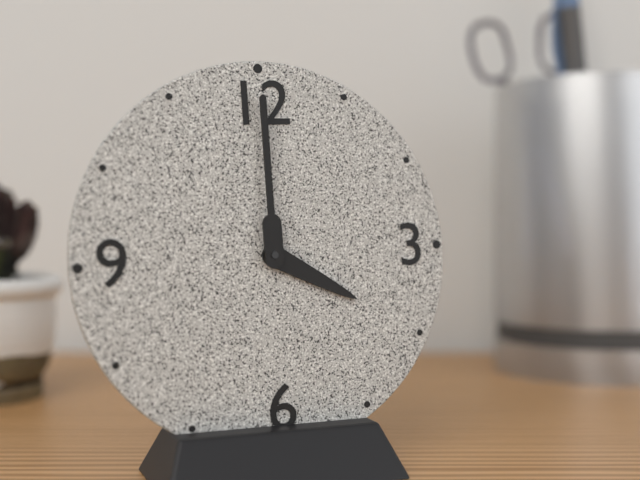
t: 4:00
